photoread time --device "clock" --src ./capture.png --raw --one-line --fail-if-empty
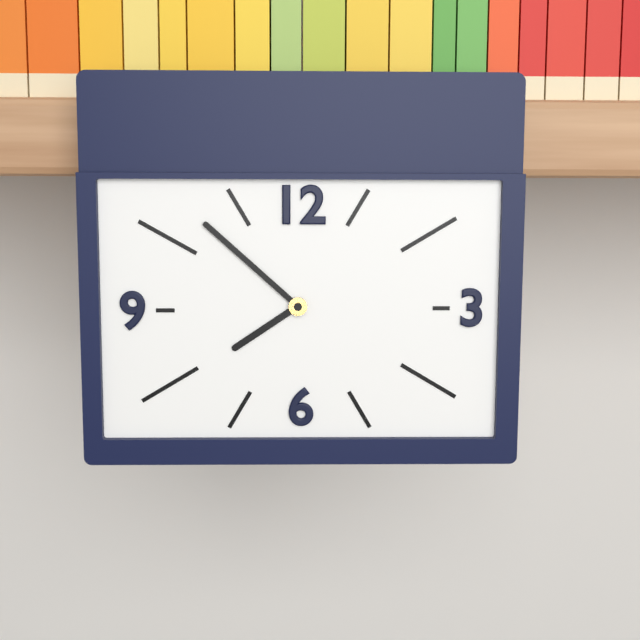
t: 7:52
